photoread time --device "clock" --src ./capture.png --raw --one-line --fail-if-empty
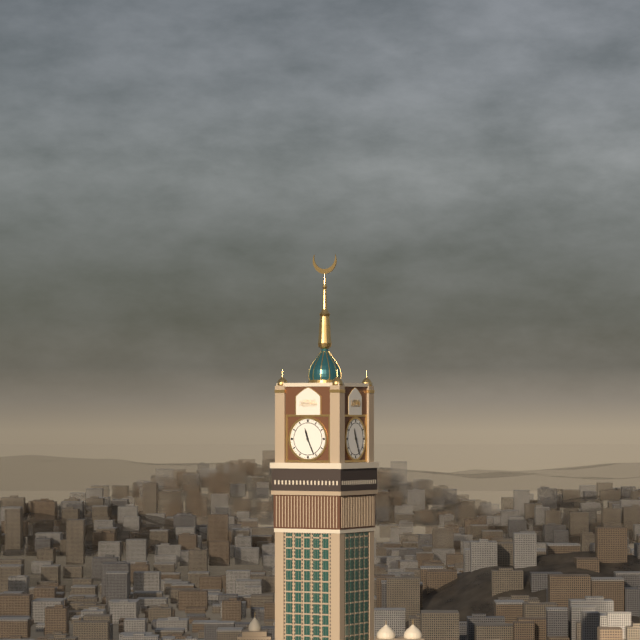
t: 11:26
